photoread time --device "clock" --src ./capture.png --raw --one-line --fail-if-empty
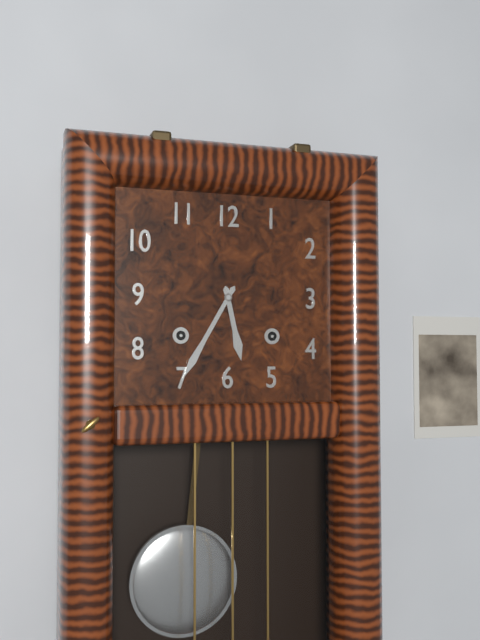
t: 5:35
